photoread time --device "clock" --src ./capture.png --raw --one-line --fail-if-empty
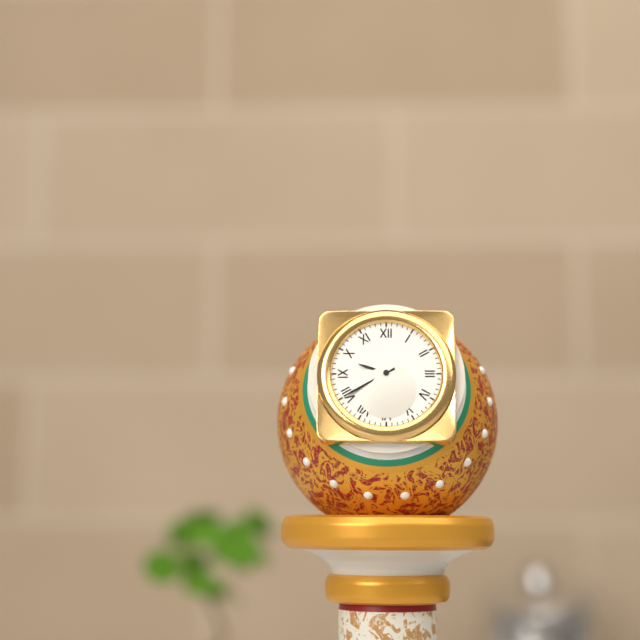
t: 9:40
